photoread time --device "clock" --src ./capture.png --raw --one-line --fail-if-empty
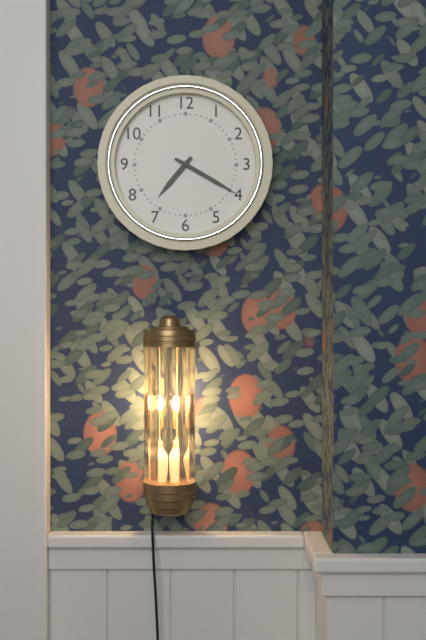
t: 7:20
